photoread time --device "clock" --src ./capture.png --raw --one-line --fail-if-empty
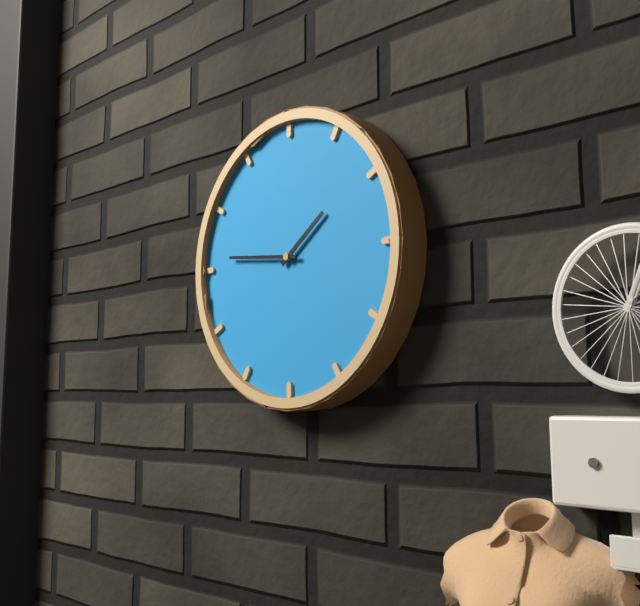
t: 1:46
